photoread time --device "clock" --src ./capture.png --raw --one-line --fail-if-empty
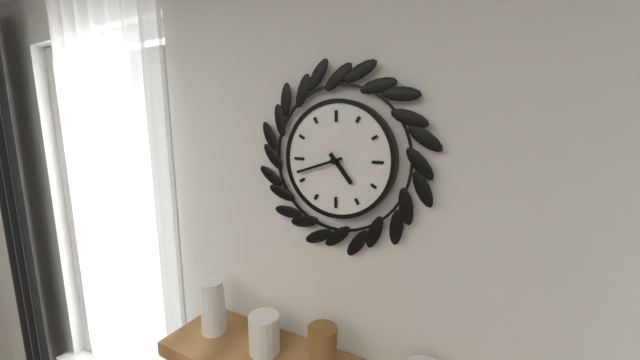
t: 4:42
